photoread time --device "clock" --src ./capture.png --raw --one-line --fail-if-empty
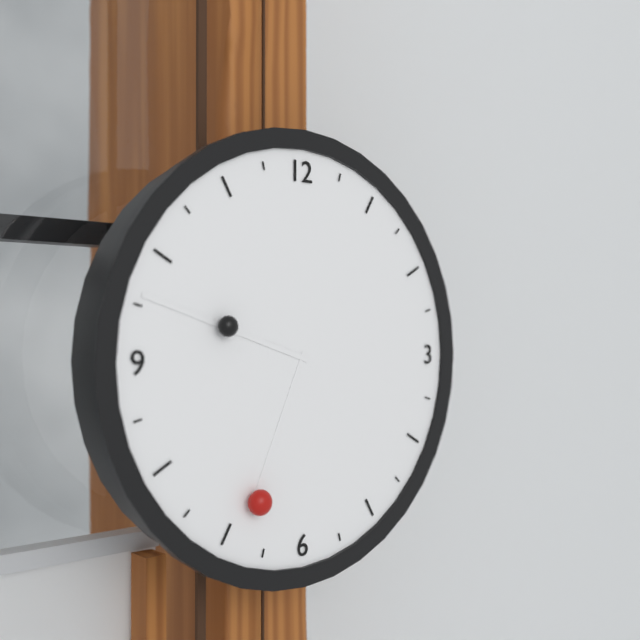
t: 6:48
